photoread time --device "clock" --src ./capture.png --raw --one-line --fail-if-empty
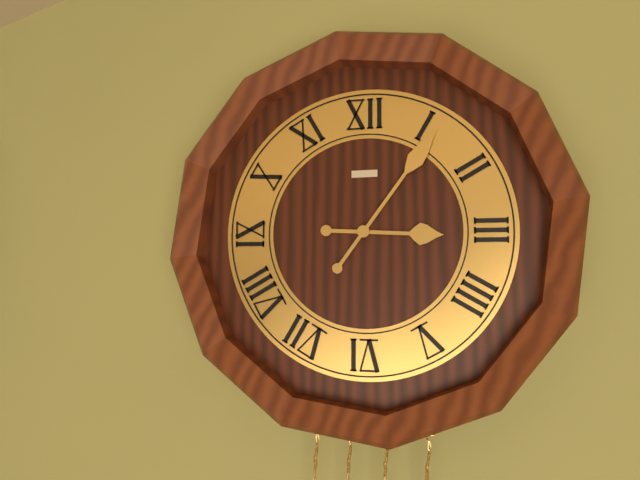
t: 3:06
